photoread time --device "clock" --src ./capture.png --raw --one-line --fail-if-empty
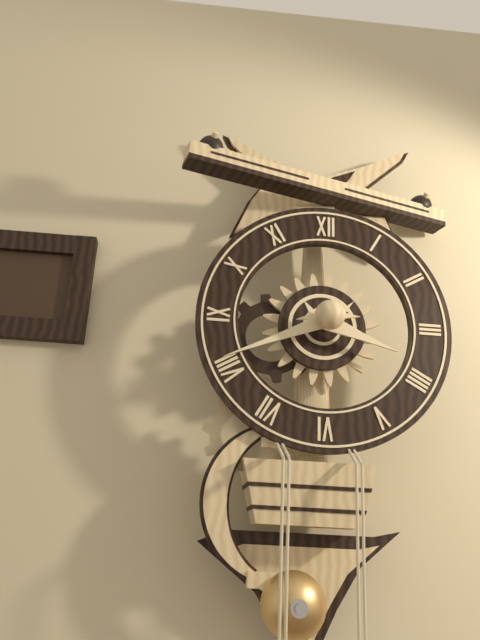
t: 3:41
